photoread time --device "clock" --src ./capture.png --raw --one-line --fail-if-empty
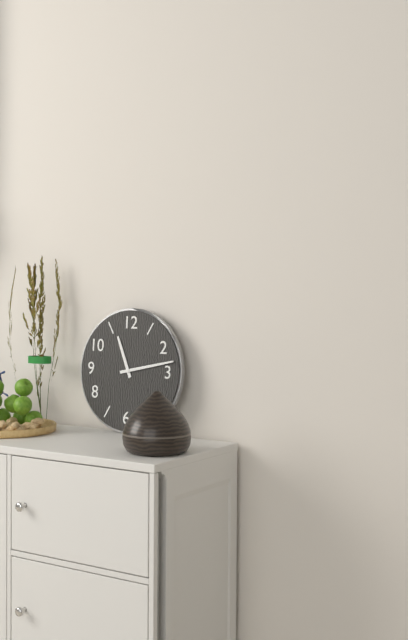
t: 11:13
